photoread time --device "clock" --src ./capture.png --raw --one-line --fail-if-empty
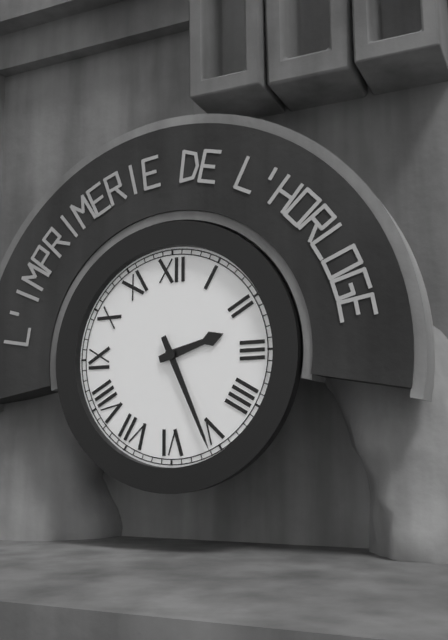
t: 2:26
